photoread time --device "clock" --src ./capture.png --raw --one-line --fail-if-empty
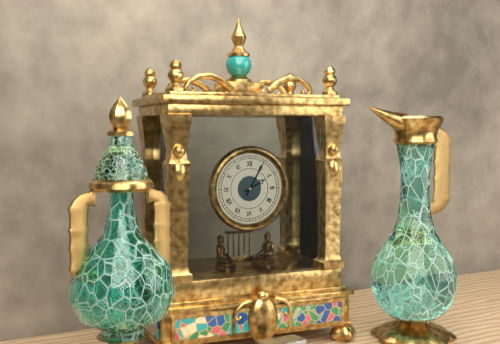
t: 2:05
